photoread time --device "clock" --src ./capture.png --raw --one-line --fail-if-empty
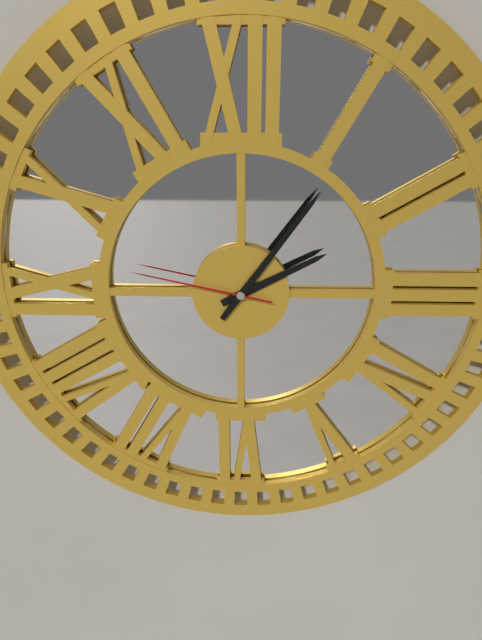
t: 2:06:47
